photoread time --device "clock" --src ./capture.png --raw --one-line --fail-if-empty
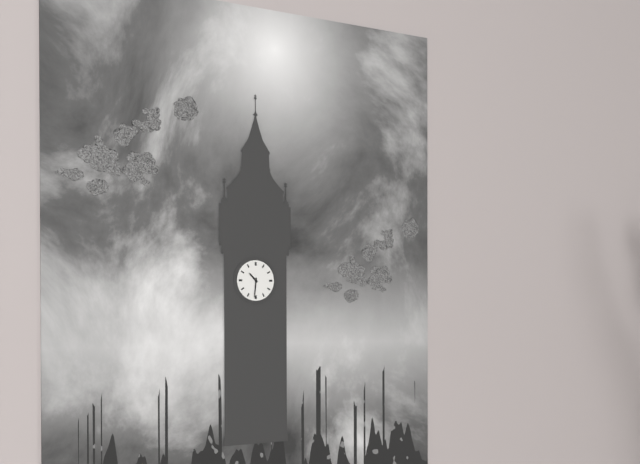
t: 10:31
